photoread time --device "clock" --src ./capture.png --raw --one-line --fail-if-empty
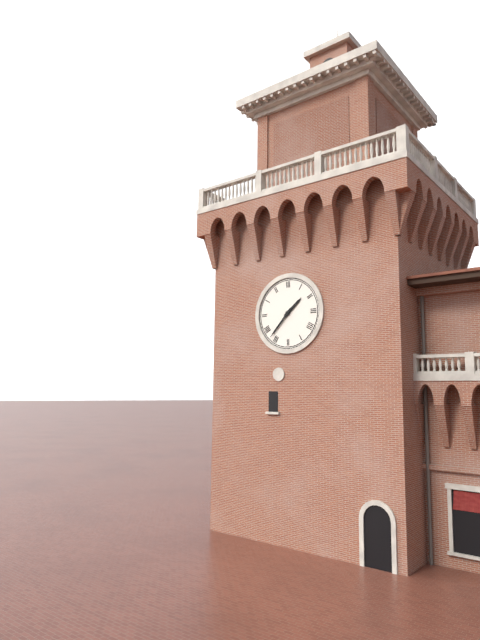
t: 1:37
